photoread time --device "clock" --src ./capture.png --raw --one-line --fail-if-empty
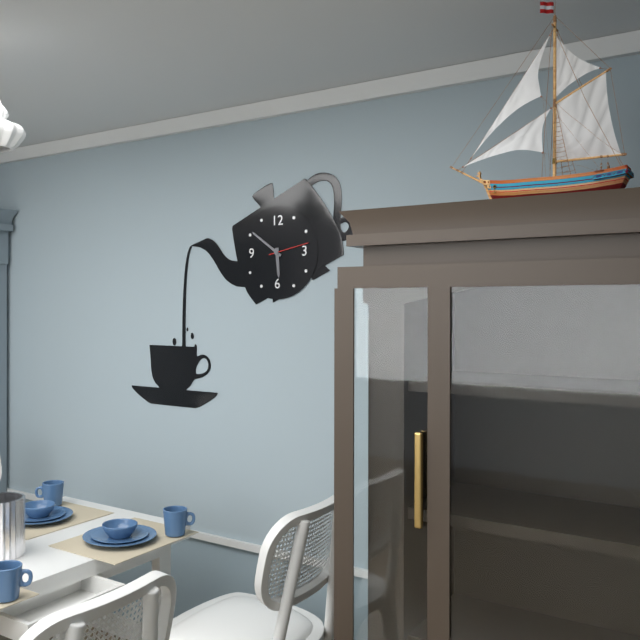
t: 5:51
